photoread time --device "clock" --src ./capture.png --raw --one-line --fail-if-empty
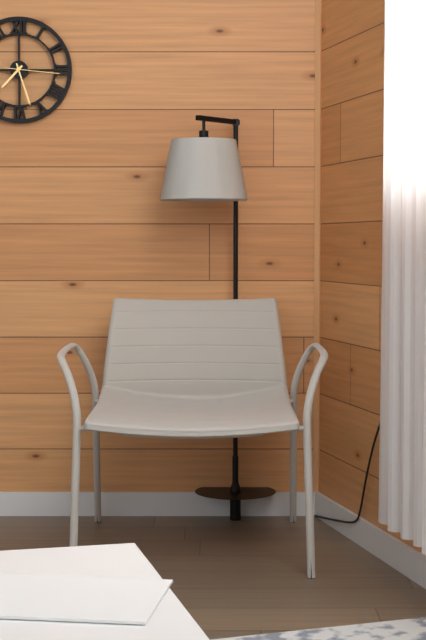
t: 7:27:16
